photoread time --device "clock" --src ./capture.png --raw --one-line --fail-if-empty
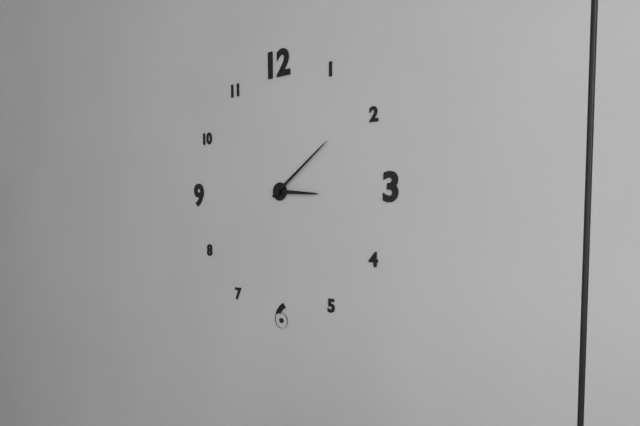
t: 3:09
